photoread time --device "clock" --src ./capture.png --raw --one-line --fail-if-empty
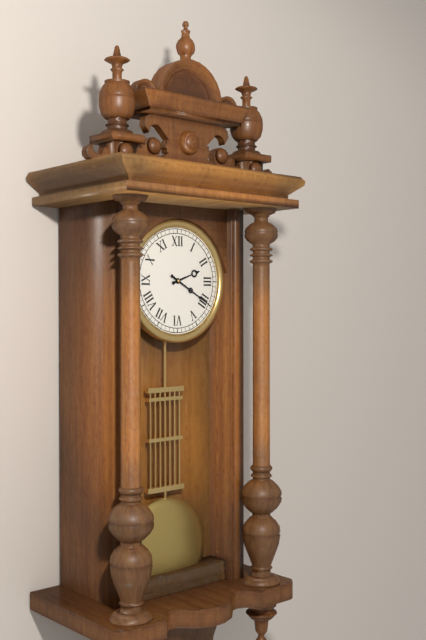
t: 2:20
